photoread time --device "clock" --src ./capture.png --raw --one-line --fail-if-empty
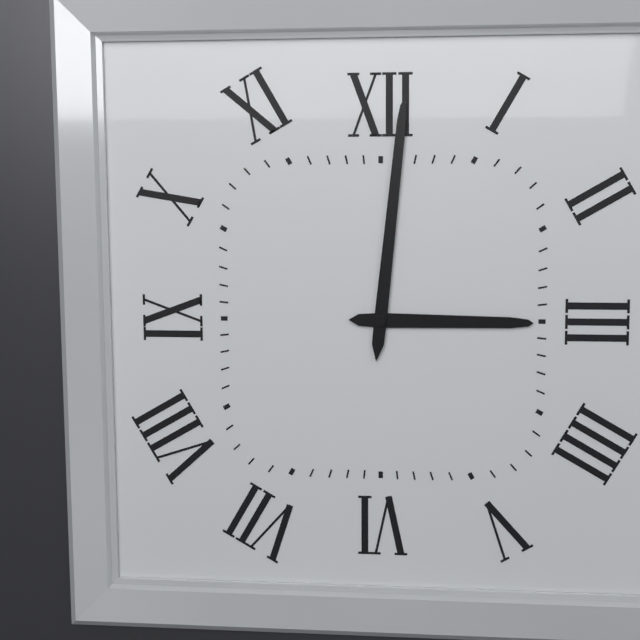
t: 3:01
